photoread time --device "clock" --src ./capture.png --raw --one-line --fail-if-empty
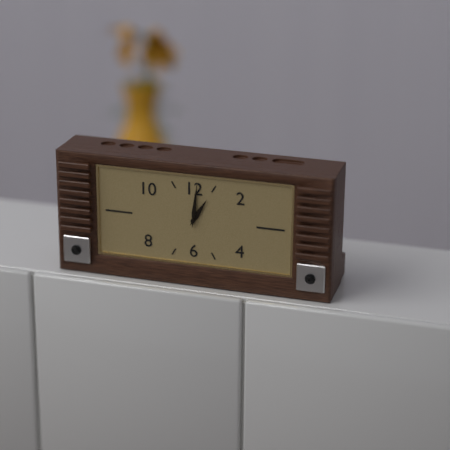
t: 1:01
